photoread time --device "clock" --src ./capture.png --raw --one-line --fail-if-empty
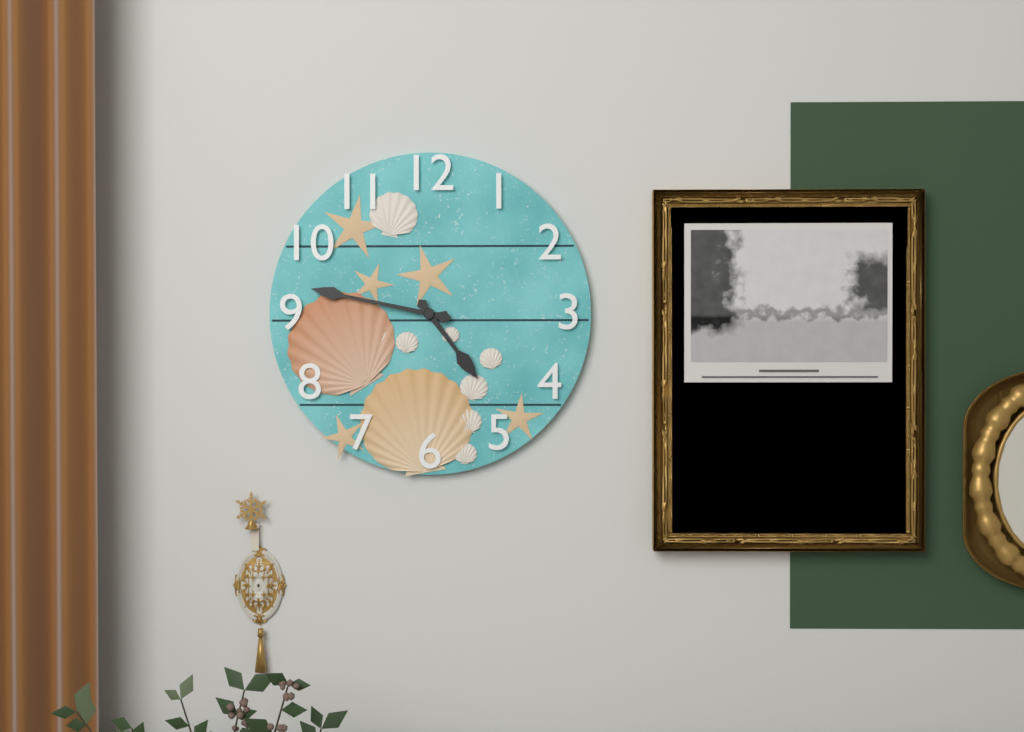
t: 4:47
